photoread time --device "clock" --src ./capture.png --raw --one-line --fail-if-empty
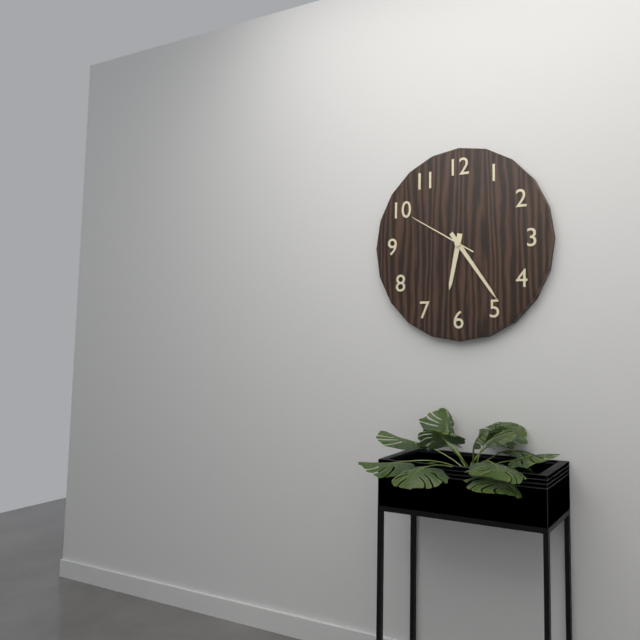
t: 6:24:50
